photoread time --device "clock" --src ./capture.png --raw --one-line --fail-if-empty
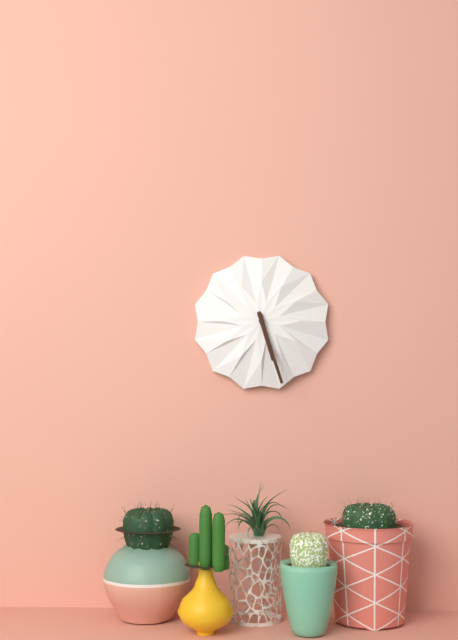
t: 5:27
